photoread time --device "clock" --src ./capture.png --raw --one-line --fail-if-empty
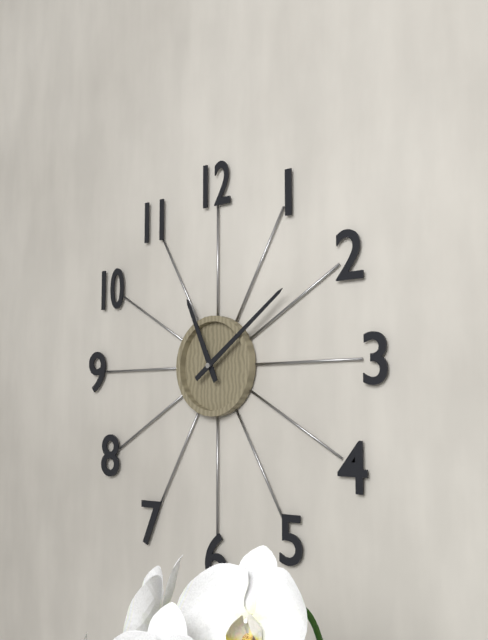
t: 11:09
